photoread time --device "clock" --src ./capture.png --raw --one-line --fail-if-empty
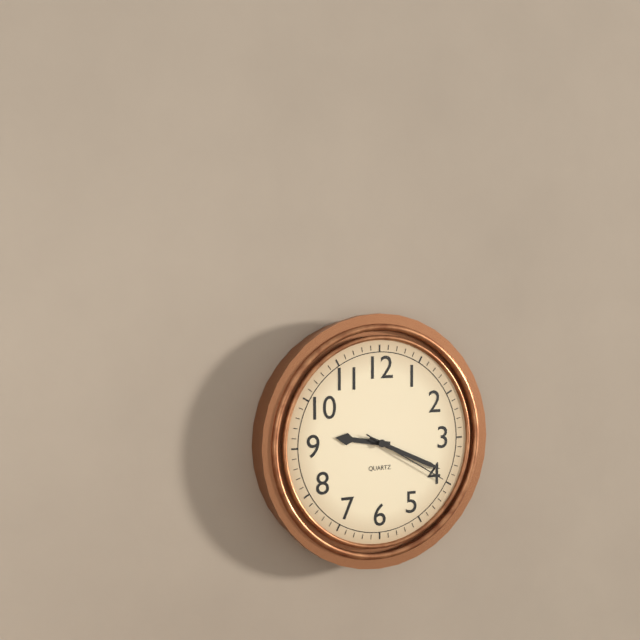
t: 9:19:20
